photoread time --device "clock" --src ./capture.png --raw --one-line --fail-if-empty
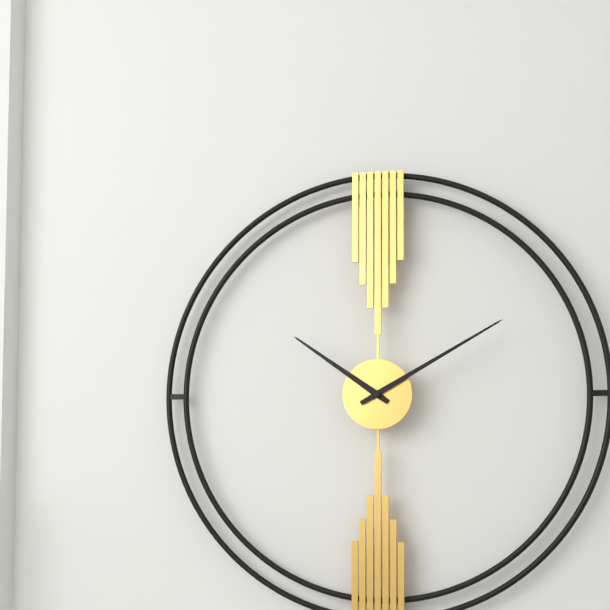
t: 10:10
